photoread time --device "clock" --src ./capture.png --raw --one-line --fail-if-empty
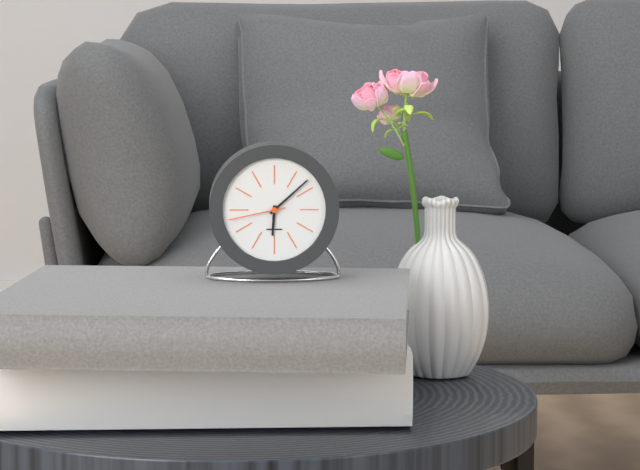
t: 6:08:43
